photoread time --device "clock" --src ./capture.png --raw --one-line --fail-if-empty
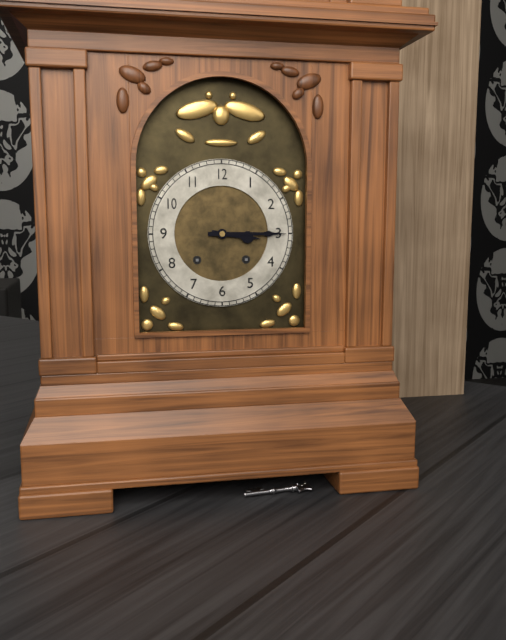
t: 3:15
